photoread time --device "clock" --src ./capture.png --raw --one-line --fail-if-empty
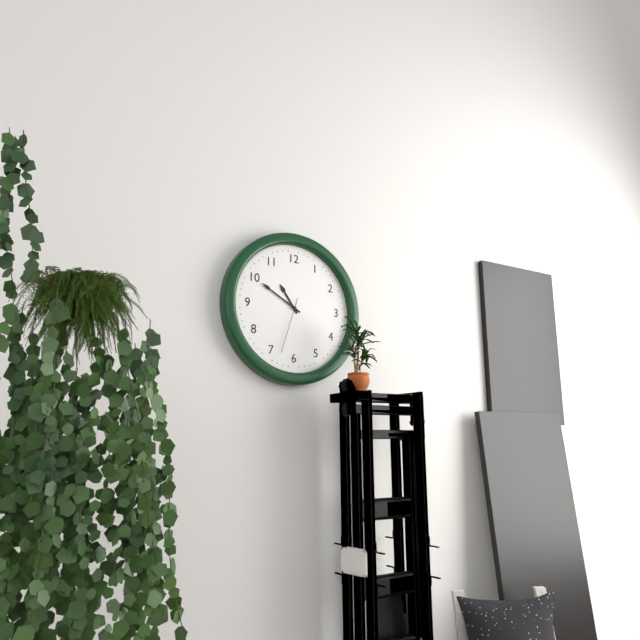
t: 10:50:33
